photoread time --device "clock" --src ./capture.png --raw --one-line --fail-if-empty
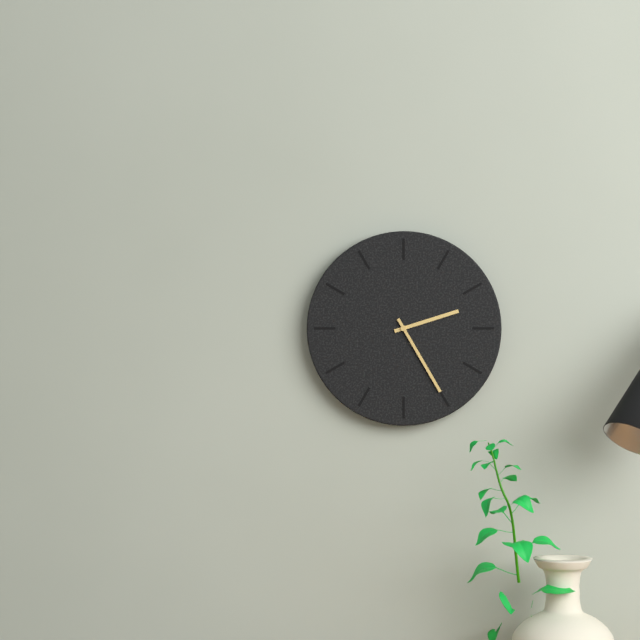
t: 2:25
